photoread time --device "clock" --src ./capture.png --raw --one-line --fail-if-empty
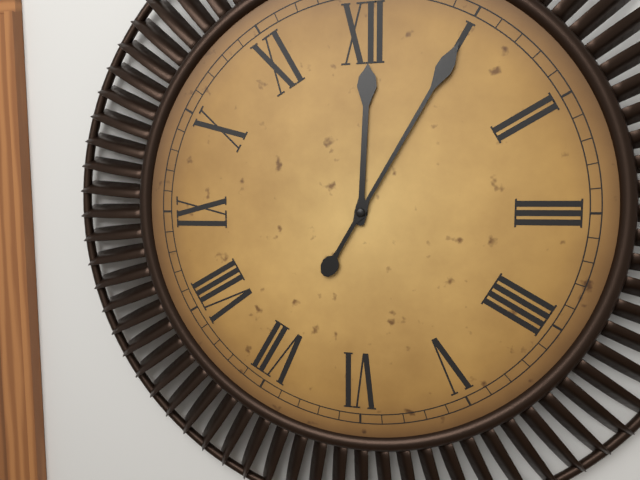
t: 12:05
